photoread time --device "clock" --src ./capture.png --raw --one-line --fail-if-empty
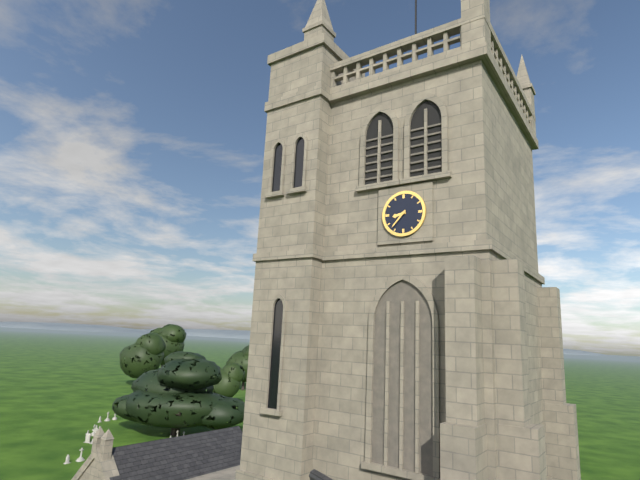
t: 8:37
